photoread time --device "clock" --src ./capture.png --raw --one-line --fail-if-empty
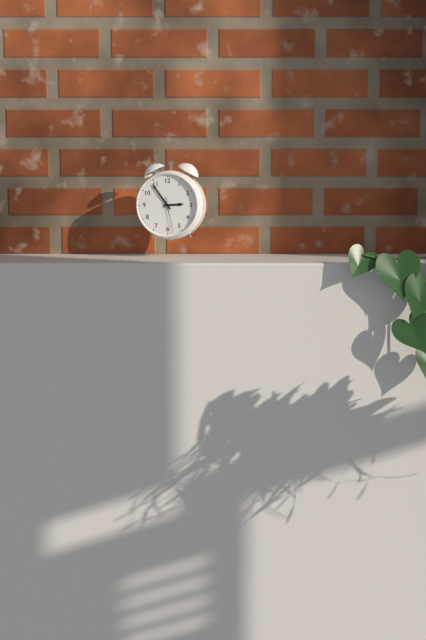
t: 2:54
